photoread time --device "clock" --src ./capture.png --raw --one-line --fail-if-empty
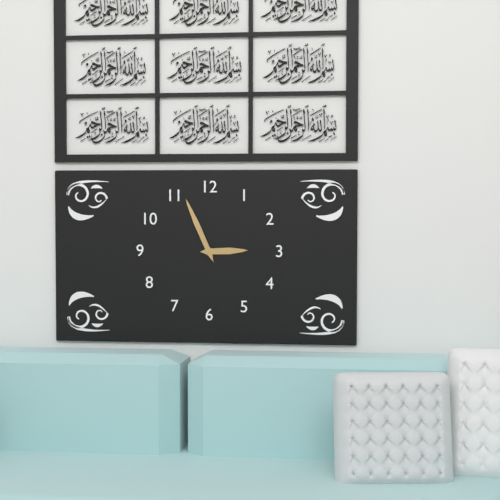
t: 2:56
